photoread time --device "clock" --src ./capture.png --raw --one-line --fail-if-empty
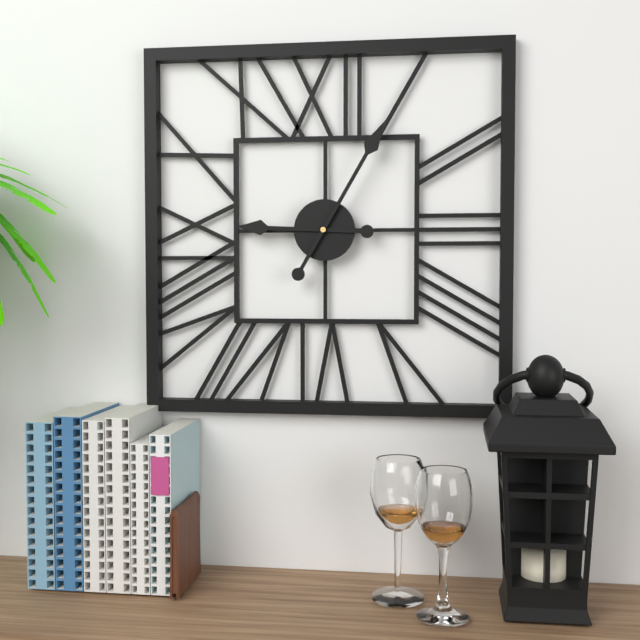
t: 9:05
